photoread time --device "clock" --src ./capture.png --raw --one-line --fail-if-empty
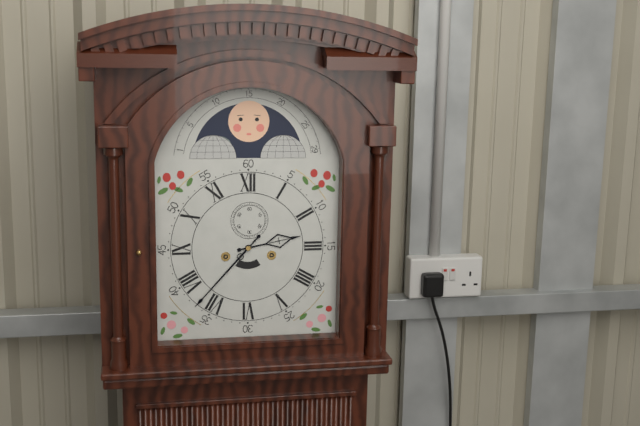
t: 2:37
